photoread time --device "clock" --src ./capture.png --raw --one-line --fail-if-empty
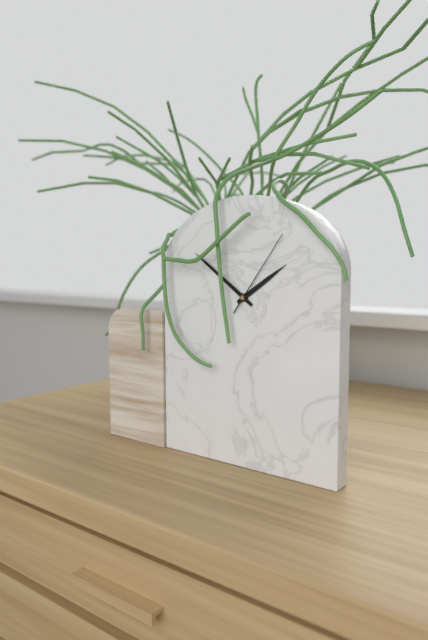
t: 1:51:06
